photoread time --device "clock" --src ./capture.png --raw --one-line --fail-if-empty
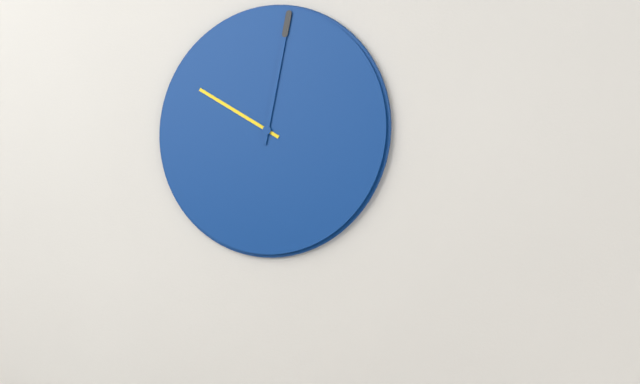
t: 10:02
